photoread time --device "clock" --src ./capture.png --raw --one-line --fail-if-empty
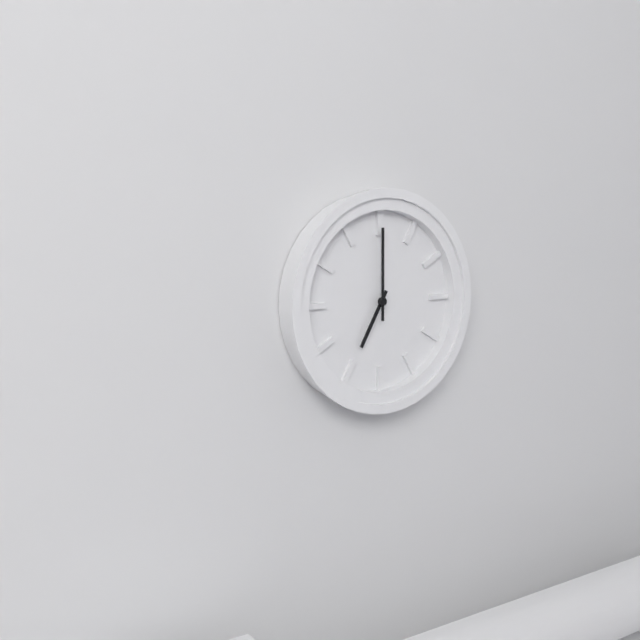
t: 7:00
